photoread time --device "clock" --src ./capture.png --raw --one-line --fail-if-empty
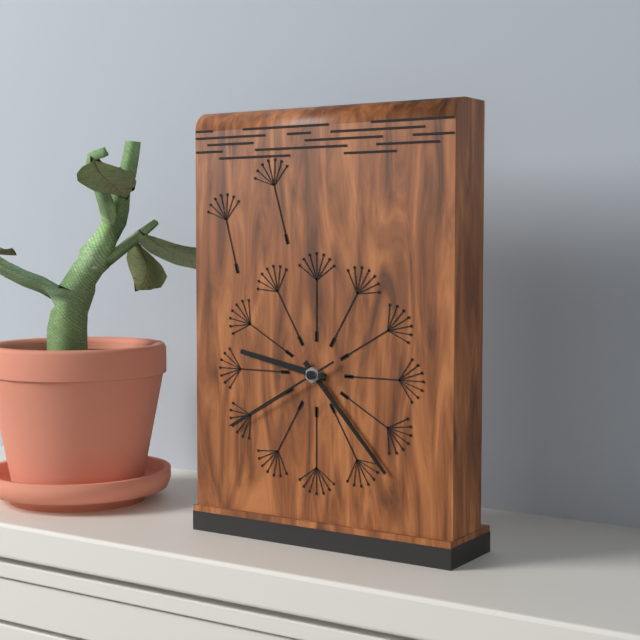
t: 9:23:40
